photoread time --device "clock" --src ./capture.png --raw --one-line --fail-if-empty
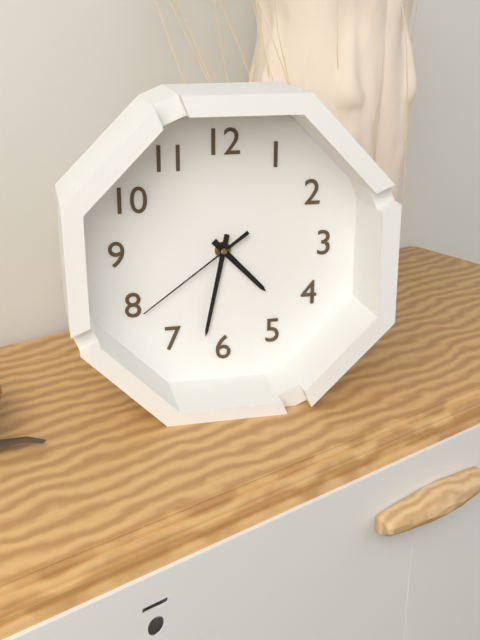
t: 4:32:39
